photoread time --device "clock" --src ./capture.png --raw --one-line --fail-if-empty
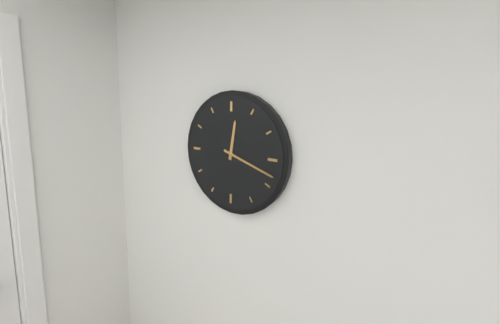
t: 12:18
